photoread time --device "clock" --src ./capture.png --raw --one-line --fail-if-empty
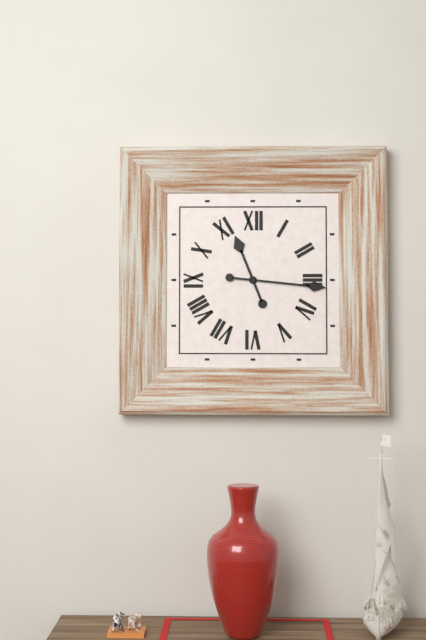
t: 11:16
